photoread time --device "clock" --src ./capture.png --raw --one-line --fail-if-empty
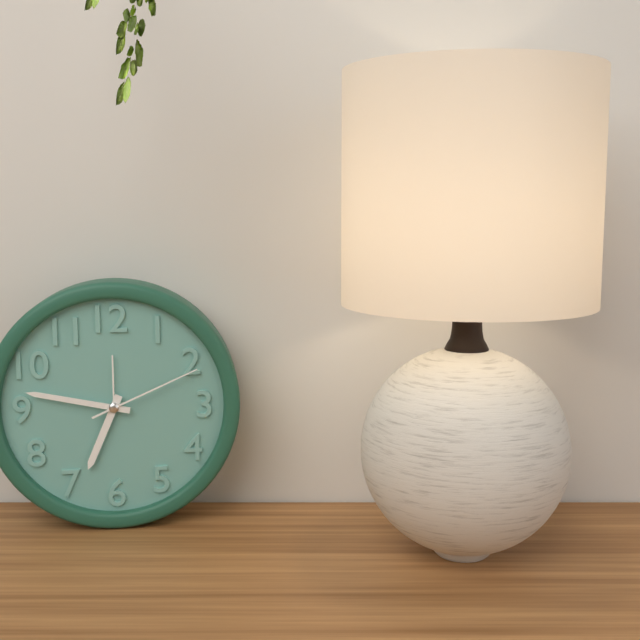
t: 6:47:11
